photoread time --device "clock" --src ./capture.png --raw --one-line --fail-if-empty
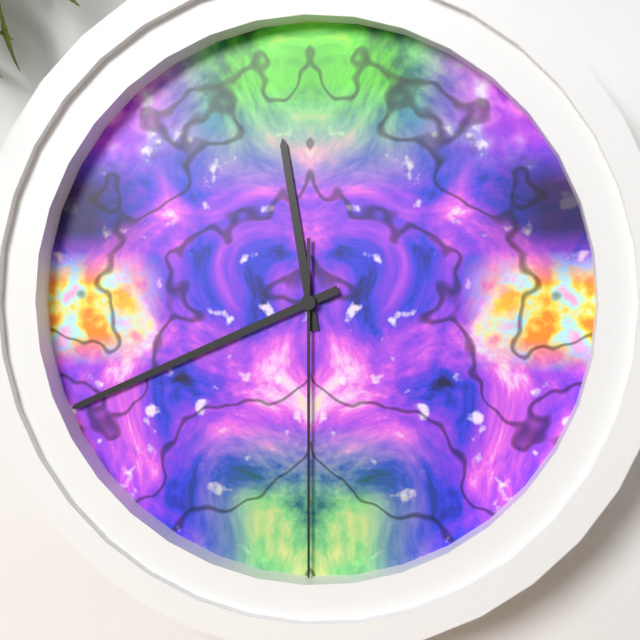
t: 11:41:30
